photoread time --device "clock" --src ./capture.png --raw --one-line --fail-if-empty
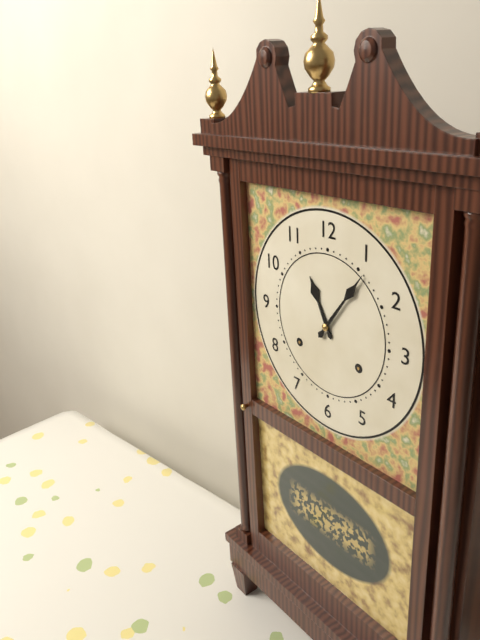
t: 11:06
